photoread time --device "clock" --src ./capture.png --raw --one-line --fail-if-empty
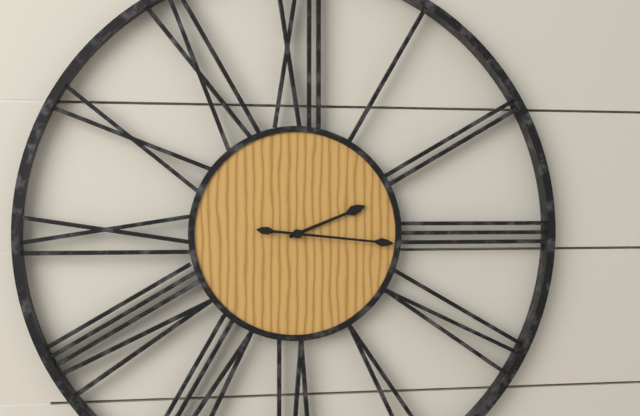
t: 2:16
